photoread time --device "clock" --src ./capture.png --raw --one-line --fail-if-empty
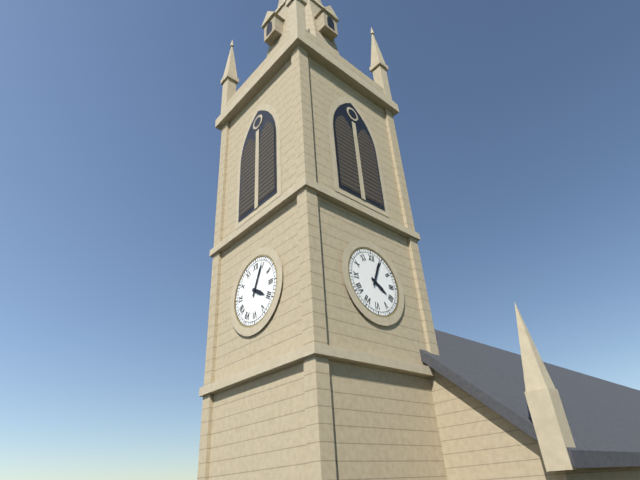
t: 4:04
